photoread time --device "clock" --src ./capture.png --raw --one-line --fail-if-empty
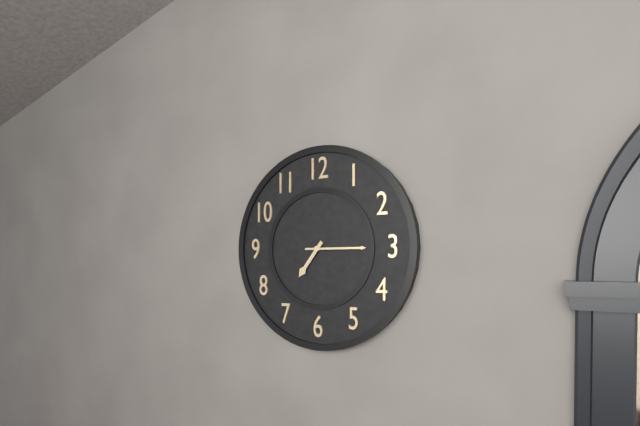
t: 7:15
